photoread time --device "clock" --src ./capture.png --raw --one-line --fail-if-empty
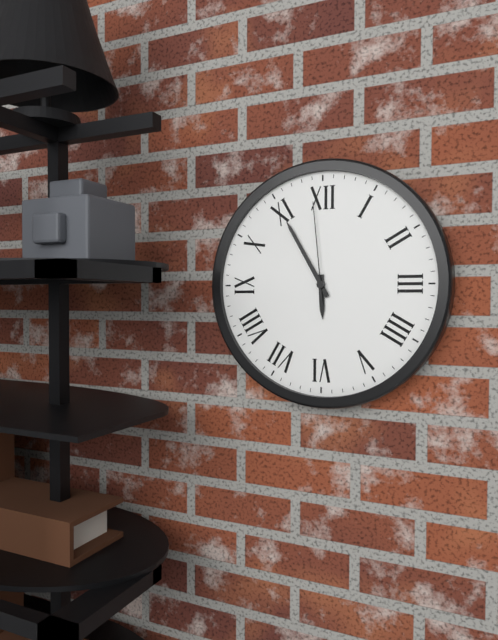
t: 5:55:59
